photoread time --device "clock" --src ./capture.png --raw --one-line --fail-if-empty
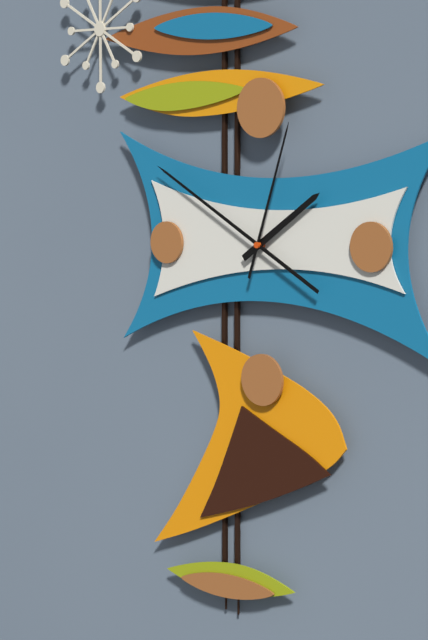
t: 1:50:03
